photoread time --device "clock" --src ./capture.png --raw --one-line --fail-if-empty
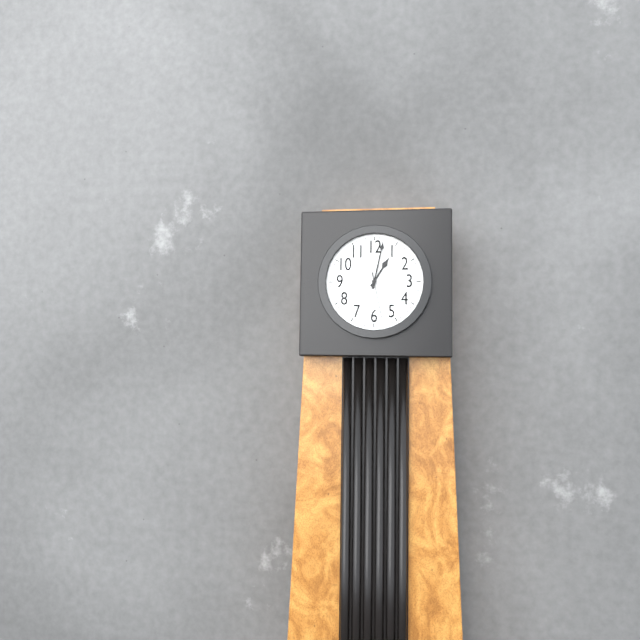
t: 1:02
